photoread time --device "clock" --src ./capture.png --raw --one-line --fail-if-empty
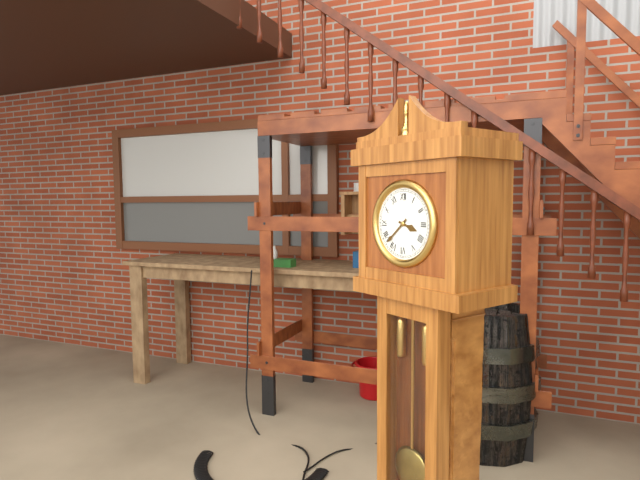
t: 3:38
